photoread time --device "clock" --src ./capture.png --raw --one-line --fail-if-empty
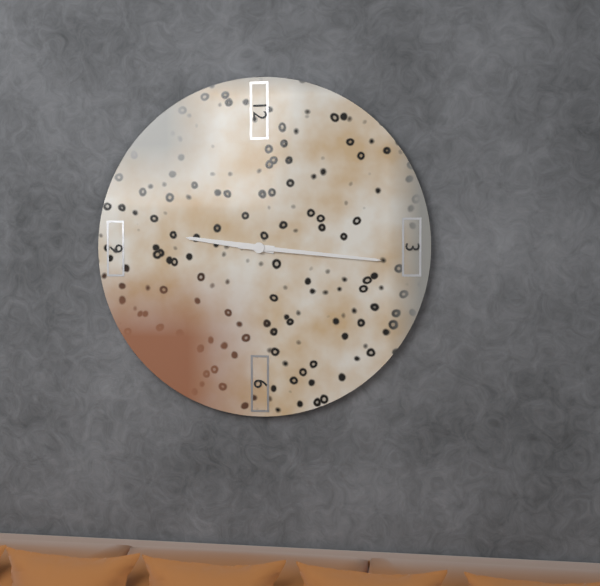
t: 9:16
